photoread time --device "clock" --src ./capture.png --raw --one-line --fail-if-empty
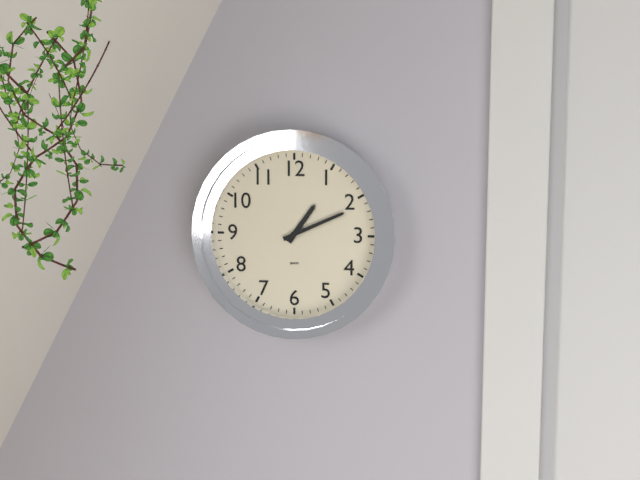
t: 1:11
